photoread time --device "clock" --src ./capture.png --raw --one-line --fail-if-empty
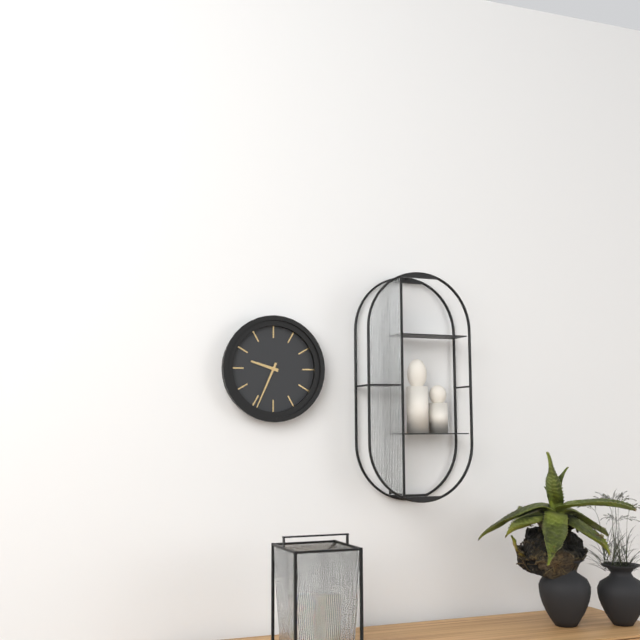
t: 9:34
